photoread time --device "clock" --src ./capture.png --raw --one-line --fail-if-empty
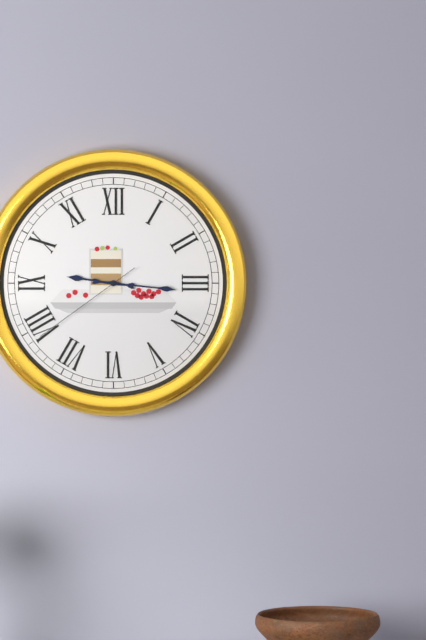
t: 9:16:39
